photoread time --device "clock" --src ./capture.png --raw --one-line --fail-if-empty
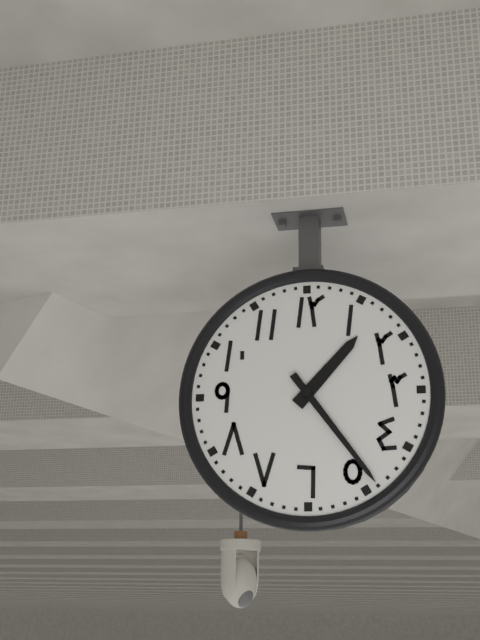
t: 1:24
